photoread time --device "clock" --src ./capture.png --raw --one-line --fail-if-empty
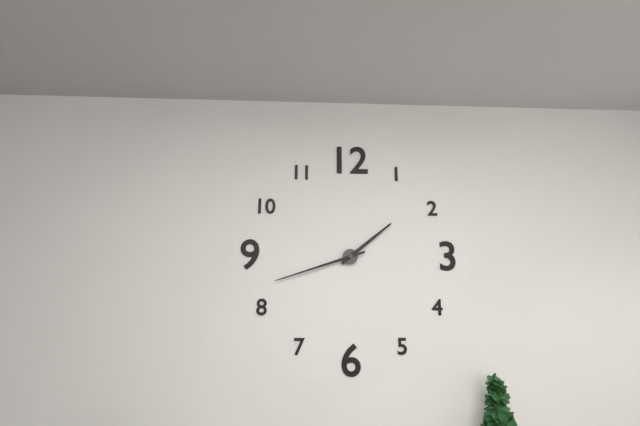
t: 1:42
